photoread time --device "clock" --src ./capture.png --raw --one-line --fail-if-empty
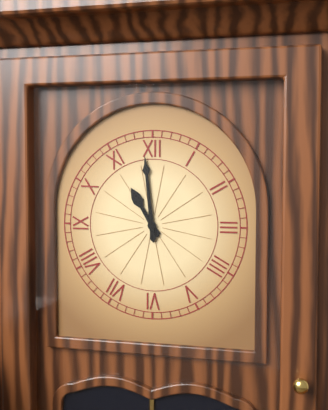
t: 10:59
